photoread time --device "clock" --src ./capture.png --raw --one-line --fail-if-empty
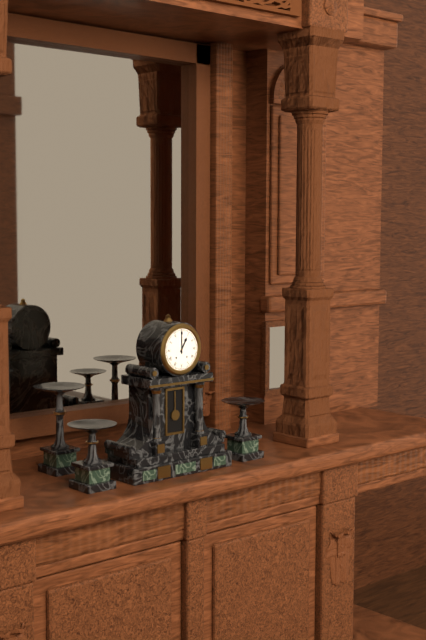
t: 1:00
